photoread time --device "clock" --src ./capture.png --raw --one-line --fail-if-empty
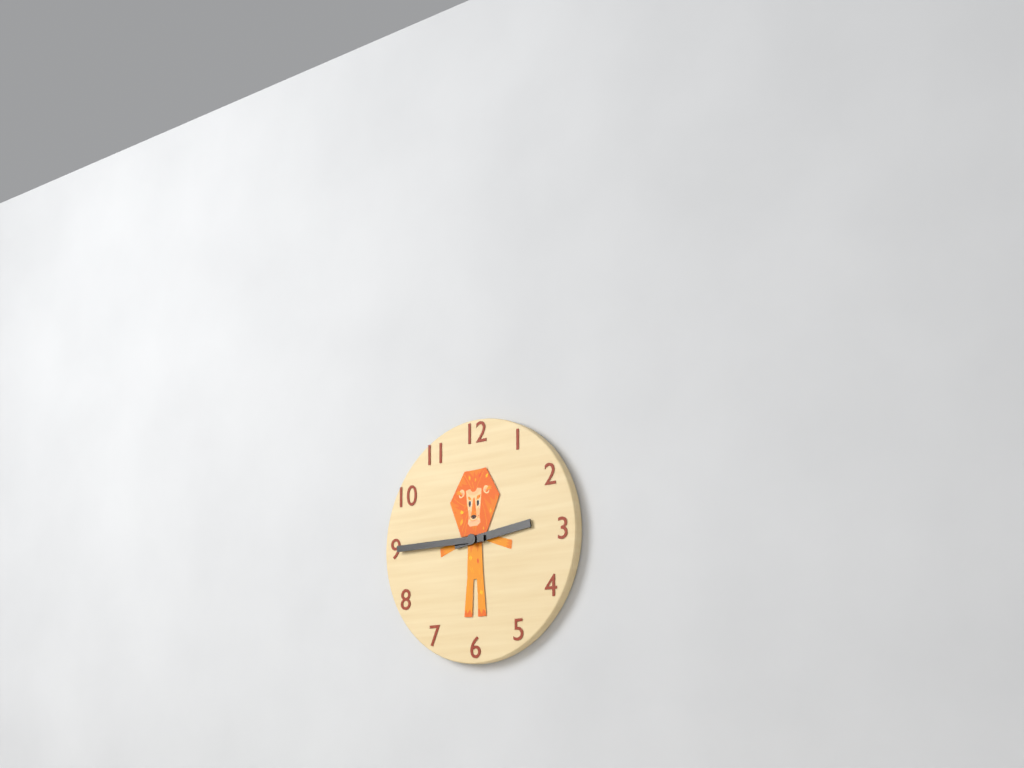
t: 2:45
